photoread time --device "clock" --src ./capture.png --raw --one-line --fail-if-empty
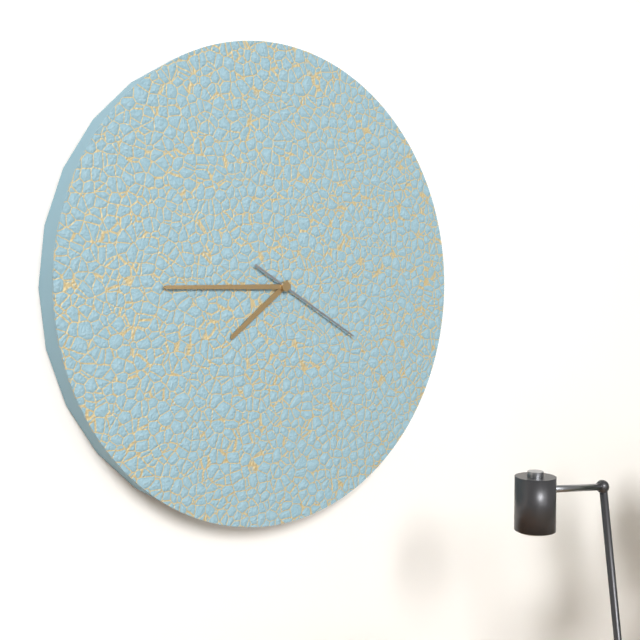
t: 7:45:20
